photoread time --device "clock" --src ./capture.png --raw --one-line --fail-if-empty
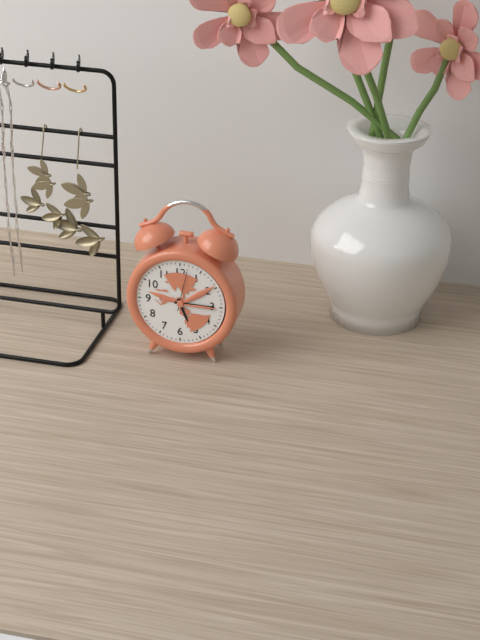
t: 5:15
